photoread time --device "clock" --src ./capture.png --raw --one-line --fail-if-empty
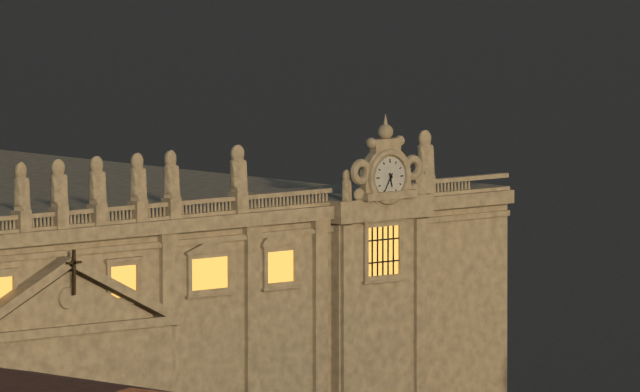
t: 5:35
